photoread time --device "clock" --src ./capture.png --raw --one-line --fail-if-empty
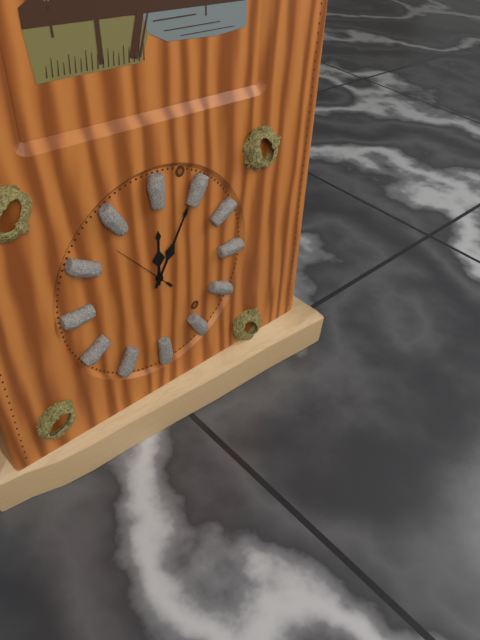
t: 12:05:53
